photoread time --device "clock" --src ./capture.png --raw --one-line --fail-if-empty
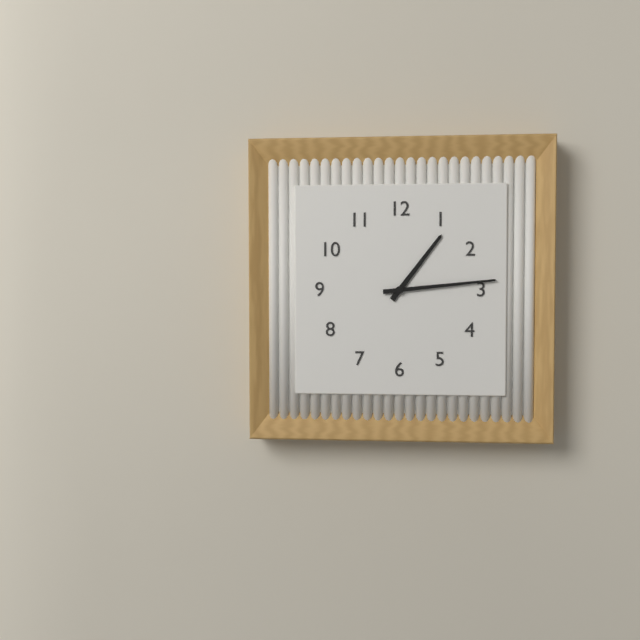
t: 1:14
